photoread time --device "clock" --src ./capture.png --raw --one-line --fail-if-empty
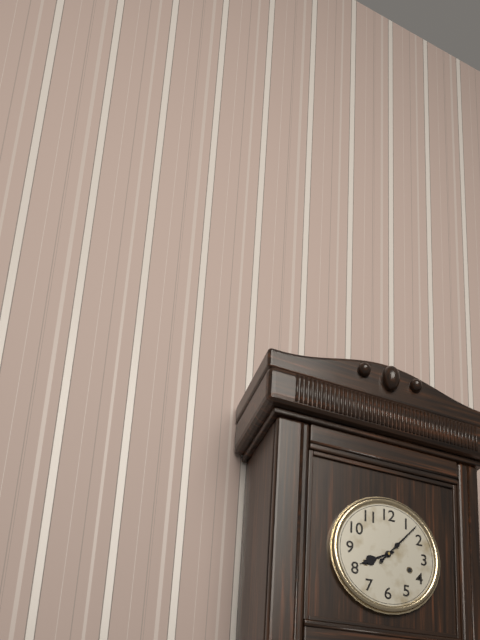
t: 8:07
